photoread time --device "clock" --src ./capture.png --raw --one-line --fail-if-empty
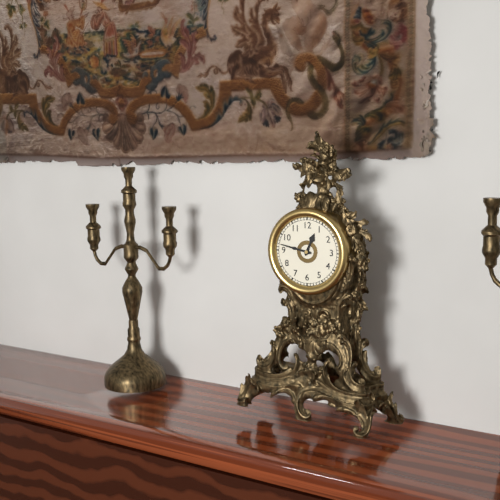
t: 12:47
